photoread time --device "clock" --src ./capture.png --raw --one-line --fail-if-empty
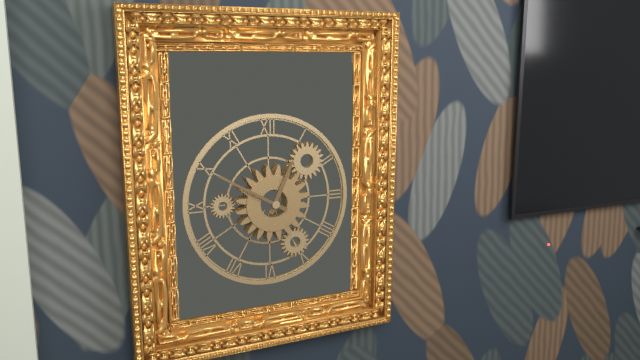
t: 12:50
